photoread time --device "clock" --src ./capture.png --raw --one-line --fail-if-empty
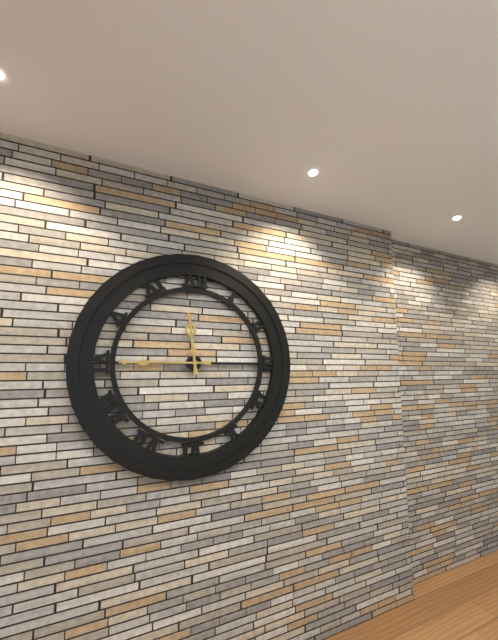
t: 11:45
